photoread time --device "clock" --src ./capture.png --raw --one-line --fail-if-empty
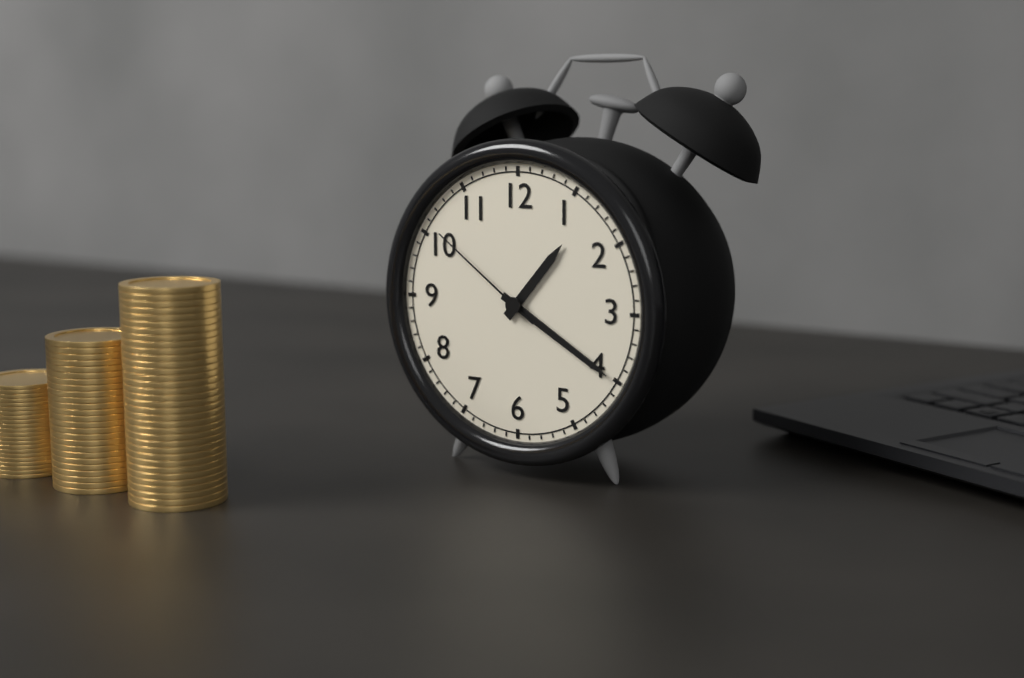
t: 1:20:51
